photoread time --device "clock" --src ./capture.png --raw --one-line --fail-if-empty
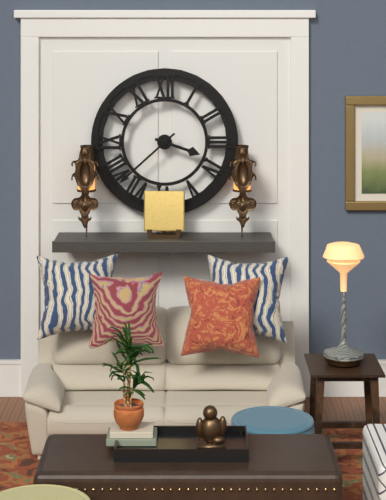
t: 3:38
